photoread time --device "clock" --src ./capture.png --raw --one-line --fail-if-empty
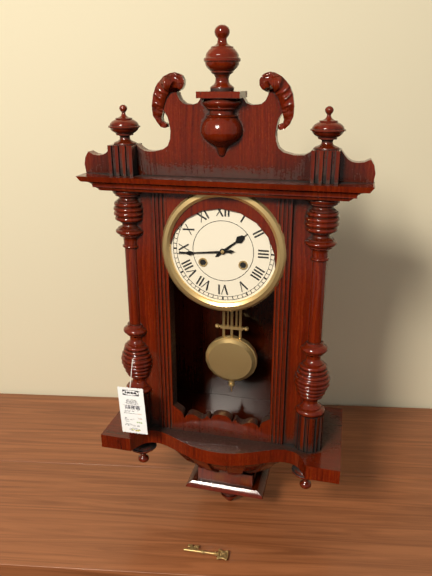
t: 1:44
